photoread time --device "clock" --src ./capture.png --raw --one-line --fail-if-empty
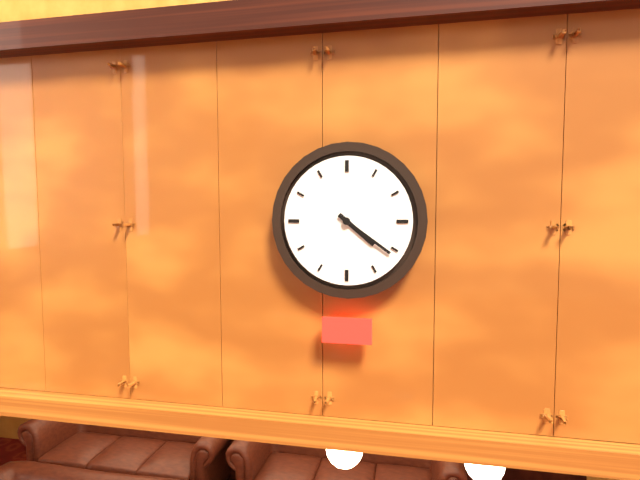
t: 4:21
